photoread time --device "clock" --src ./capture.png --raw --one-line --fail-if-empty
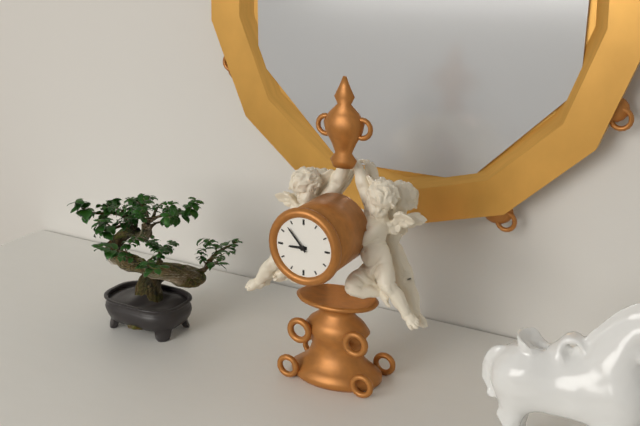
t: 8:53
